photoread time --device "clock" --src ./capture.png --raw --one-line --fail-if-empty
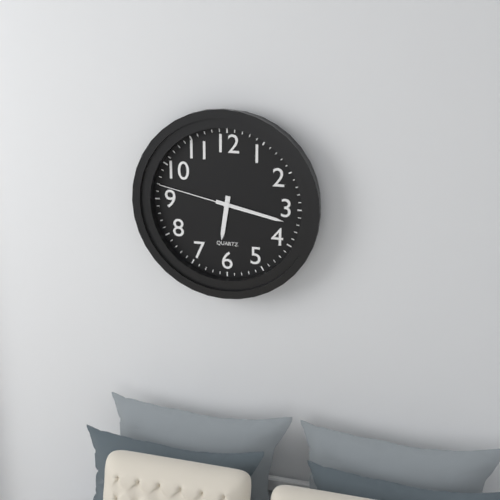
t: 6:17:47
